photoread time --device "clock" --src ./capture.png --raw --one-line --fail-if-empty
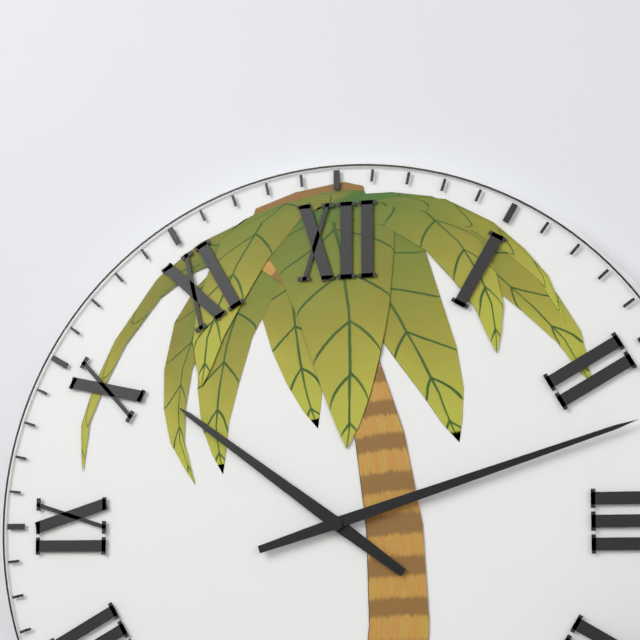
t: 10:12
